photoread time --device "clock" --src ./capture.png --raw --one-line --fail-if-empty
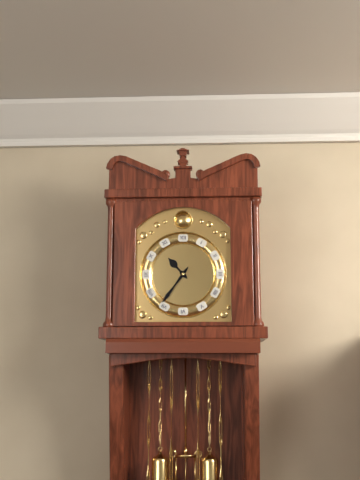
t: 10:36
